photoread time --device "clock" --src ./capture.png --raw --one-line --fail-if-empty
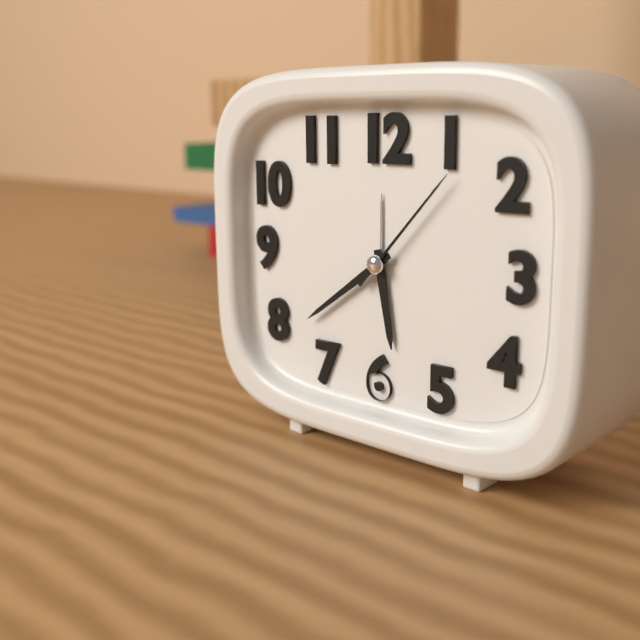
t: 5:39:07
